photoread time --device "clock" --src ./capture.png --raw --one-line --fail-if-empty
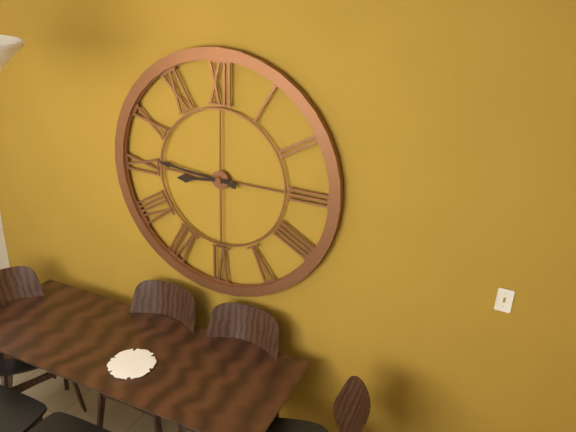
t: 8:46
